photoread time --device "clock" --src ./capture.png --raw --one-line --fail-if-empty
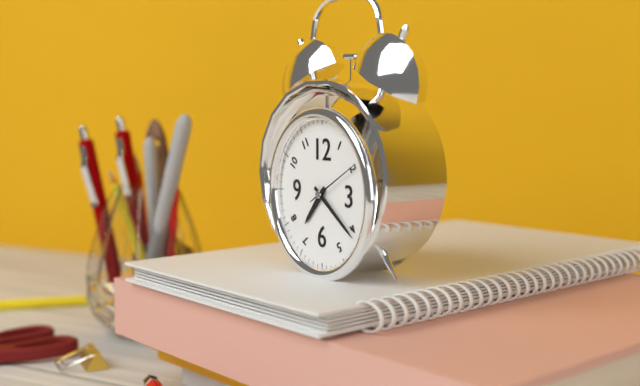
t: 7:21:10
